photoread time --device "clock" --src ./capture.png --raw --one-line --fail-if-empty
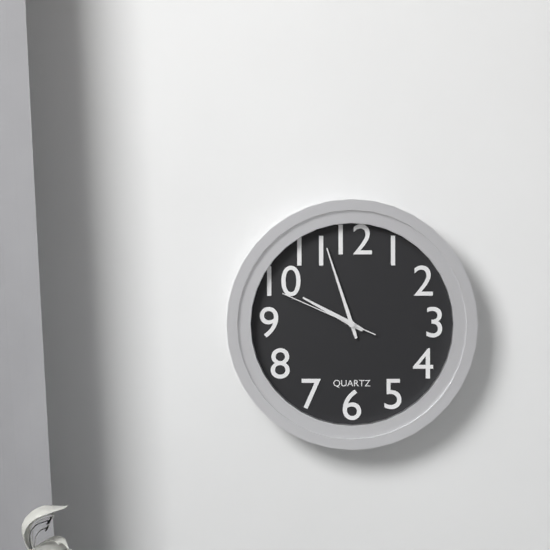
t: 9:57:49
